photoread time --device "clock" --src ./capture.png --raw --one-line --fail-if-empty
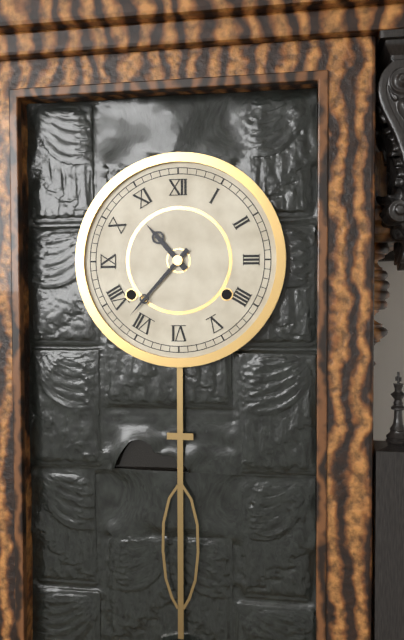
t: 10:37
